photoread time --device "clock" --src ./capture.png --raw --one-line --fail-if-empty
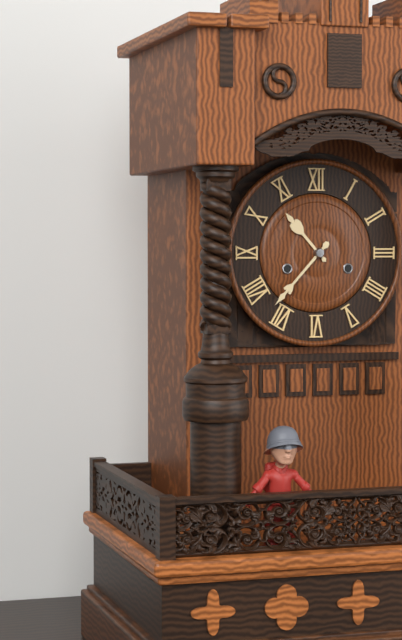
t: 10:37
